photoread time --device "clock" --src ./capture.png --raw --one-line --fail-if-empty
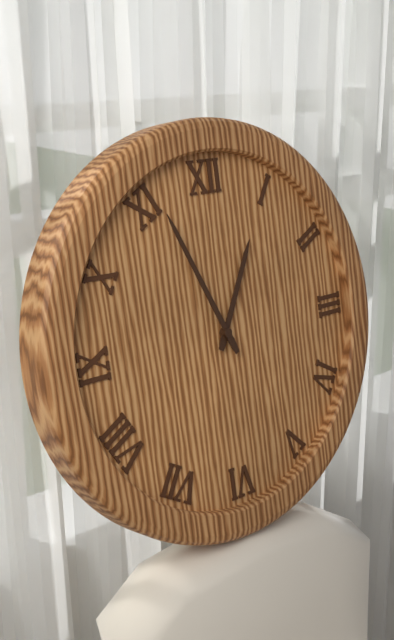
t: 12:56
